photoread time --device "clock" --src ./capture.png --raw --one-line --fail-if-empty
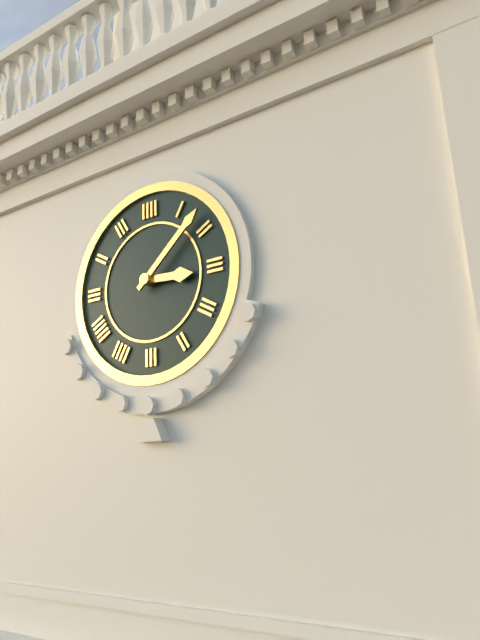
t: 3:08
